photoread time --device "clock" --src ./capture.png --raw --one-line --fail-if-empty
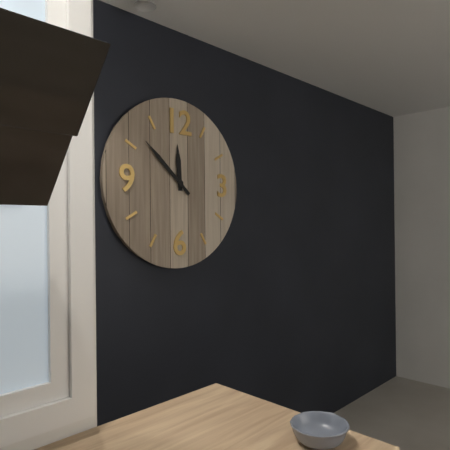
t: 11:52
